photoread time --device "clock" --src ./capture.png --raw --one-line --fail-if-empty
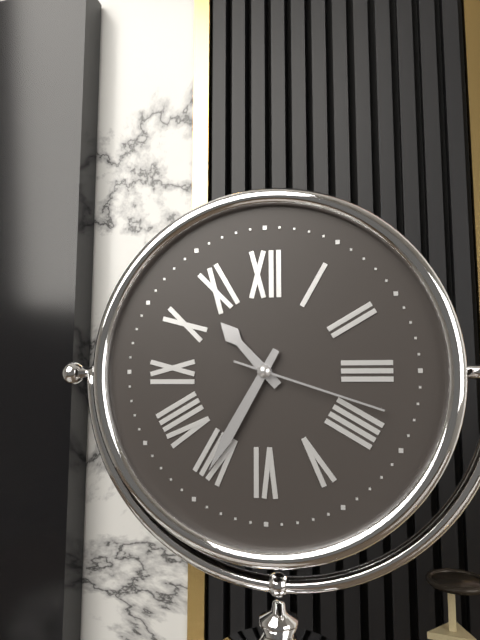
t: 10:35:18
